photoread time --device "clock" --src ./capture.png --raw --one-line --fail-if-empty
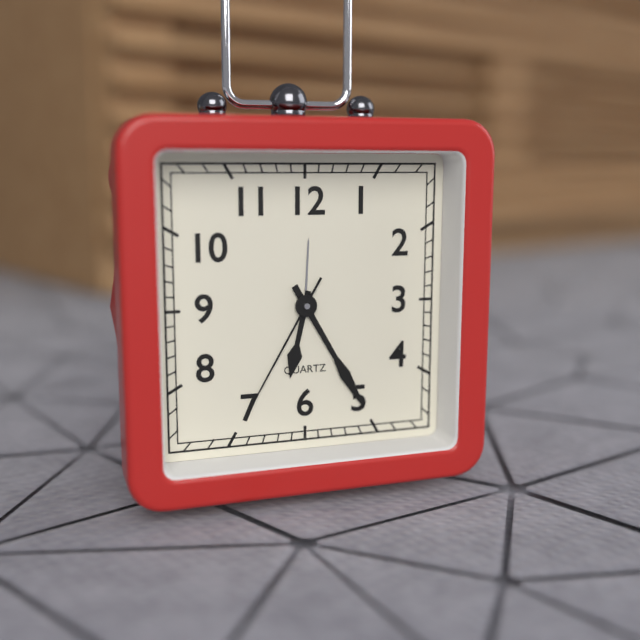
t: 6:25:35
